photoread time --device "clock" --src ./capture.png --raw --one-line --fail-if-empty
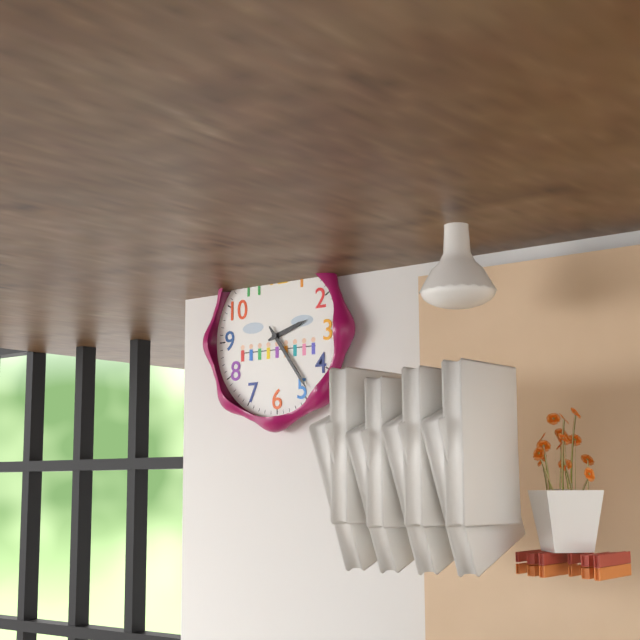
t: 2:24
